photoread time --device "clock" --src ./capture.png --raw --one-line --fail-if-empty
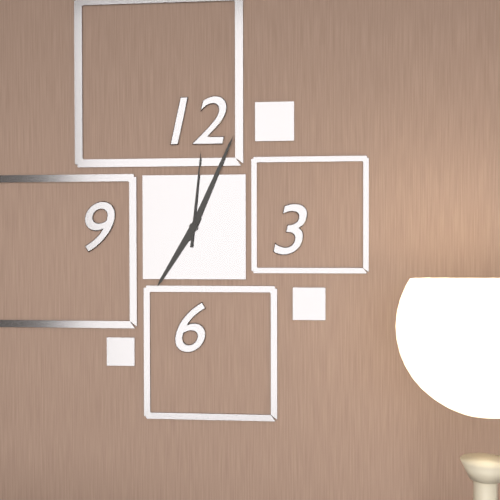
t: 7:04:01
